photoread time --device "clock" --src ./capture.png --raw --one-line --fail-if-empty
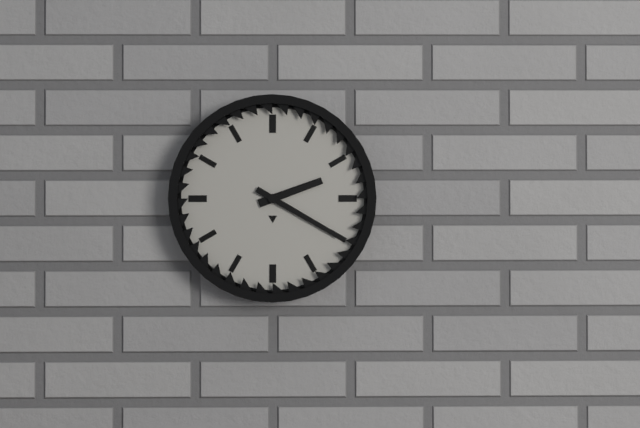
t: 2:20
